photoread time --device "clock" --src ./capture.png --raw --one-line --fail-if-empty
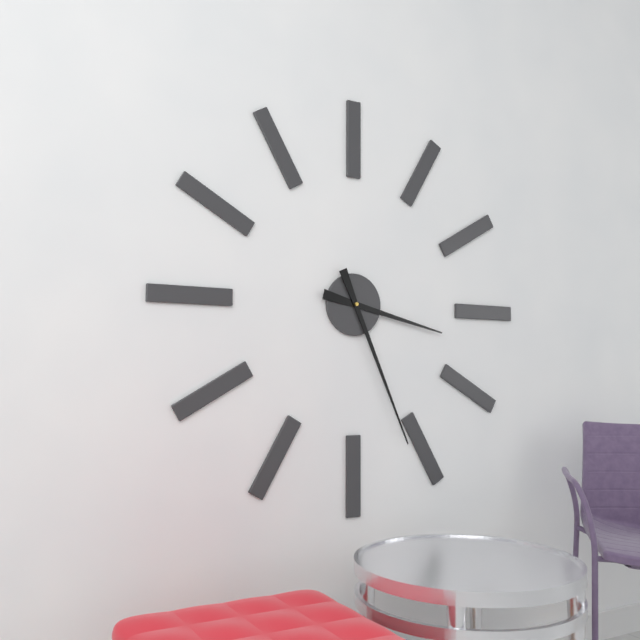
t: 3:26
